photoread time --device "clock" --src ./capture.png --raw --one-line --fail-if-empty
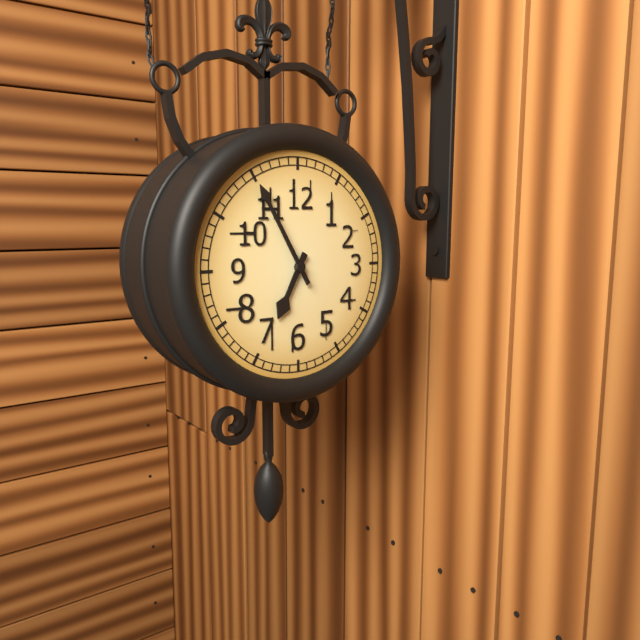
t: 6:55
